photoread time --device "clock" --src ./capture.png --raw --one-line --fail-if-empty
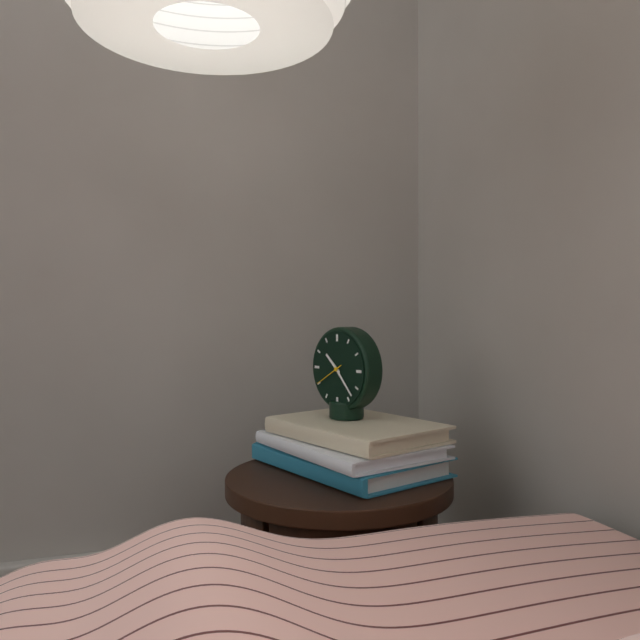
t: 10:23
